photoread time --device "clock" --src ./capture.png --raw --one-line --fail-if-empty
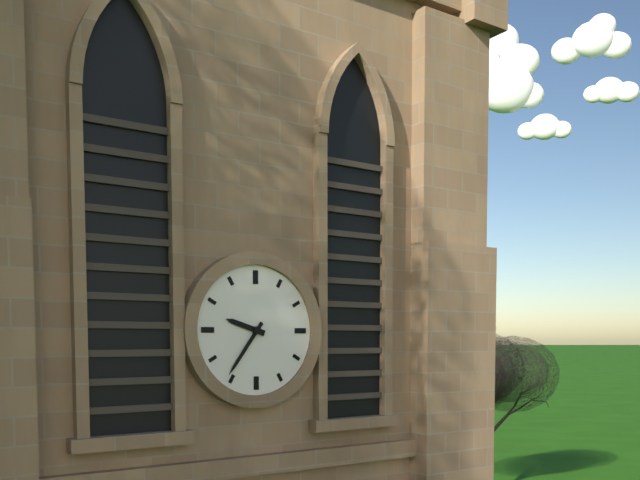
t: 9:36
